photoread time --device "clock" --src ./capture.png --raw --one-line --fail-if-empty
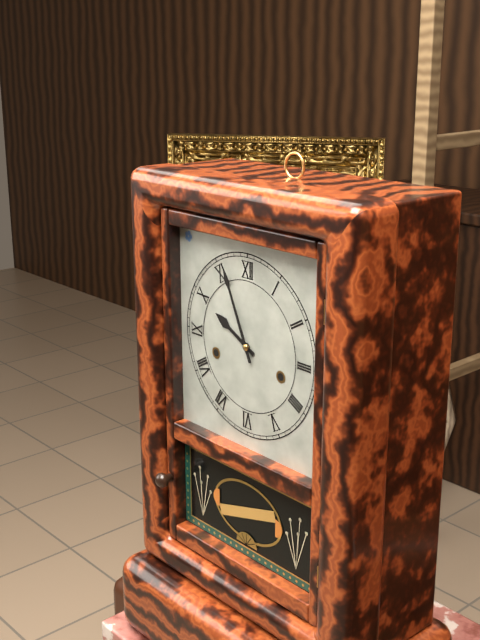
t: 9:56
